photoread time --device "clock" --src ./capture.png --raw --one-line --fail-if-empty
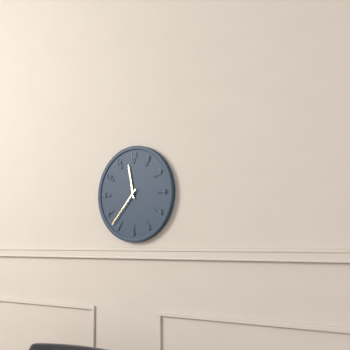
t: 11:37
